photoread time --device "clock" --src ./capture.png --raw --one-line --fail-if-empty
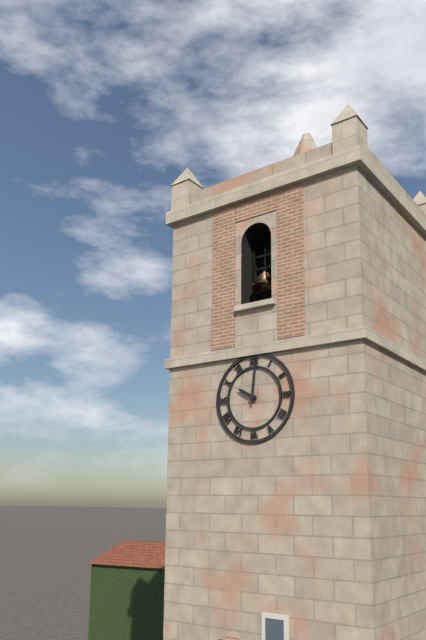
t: 10:01
